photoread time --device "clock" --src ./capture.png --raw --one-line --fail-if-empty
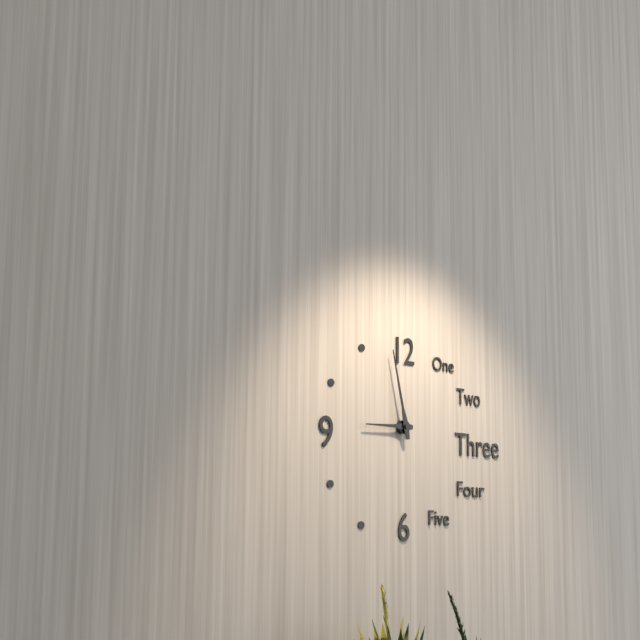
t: 8:58
